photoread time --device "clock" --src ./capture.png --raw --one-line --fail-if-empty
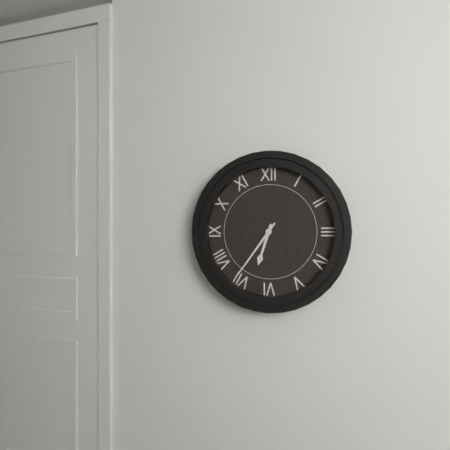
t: 6:36
